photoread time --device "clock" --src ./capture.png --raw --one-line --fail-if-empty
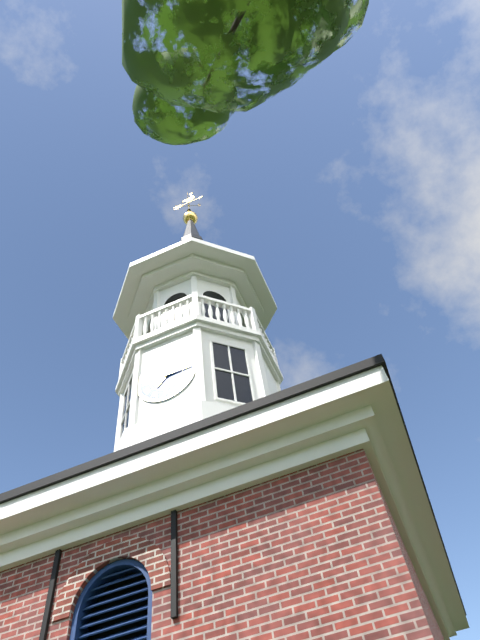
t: 7:15
